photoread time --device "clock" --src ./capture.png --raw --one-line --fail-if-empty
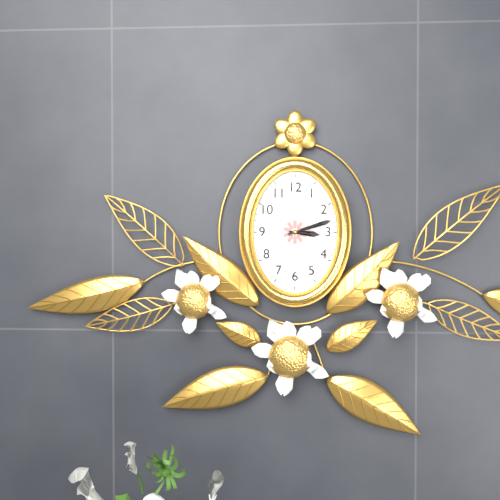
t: 3:12
